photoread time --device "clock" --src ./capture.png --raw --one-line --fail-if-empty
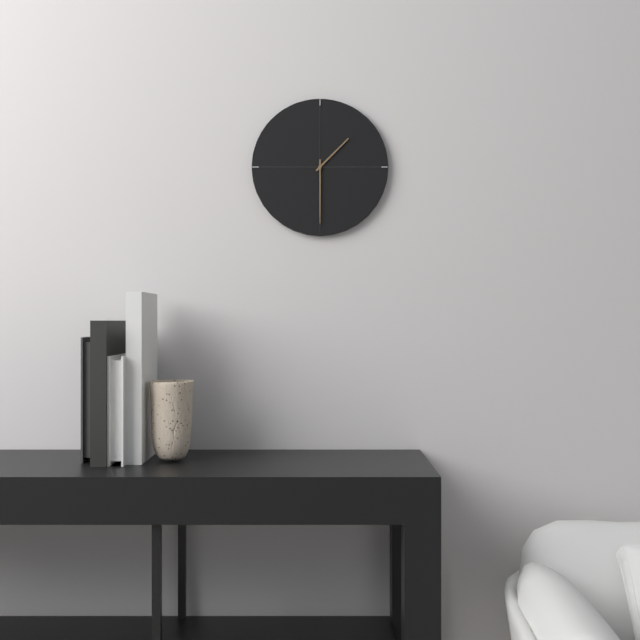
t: 1:30
